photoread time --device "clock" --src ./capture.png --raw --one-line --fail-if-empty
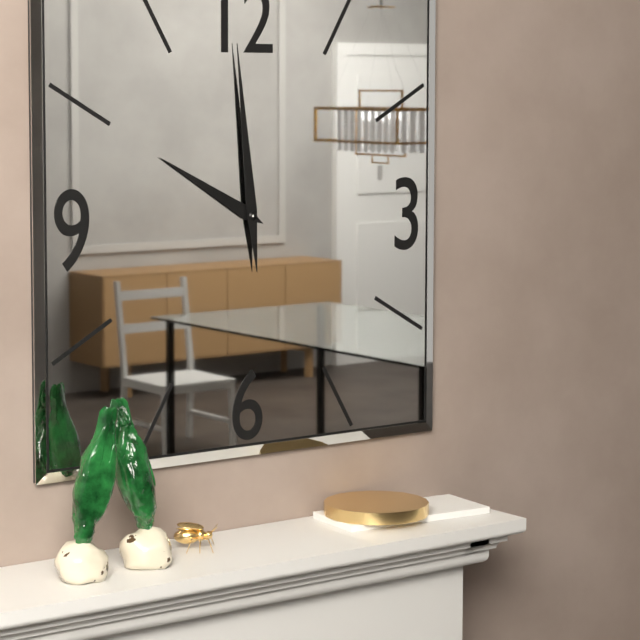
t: 9:59
